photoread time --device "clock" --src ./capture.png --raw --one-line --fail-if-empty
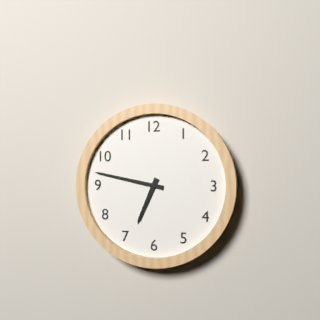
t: 6:47
